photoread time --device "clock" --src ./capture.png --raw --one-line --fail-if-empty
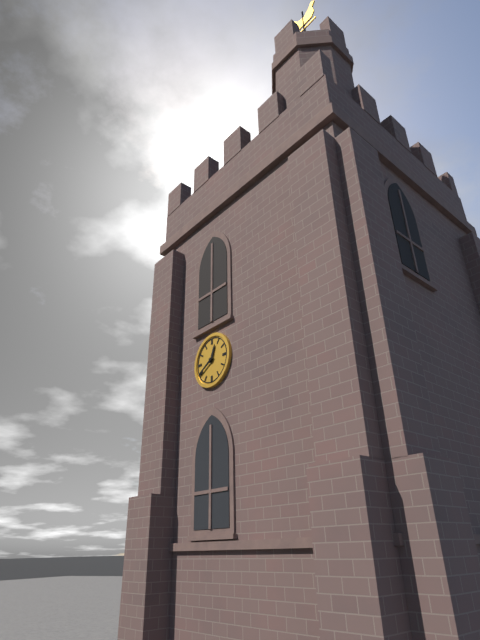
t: 12:40
